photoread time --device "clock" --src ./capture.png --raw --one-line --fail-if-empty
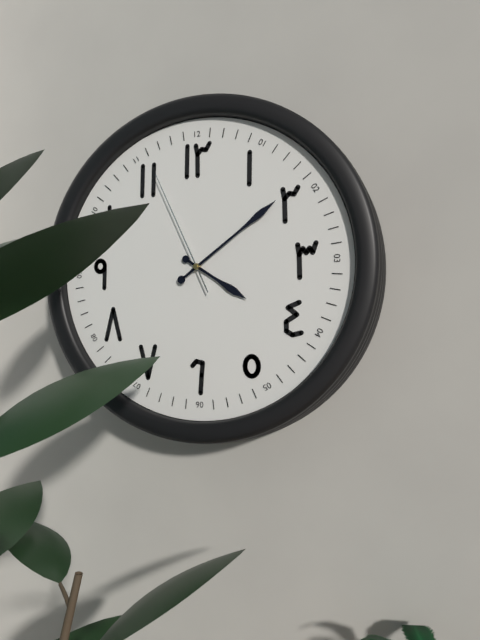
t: 4:09:56
